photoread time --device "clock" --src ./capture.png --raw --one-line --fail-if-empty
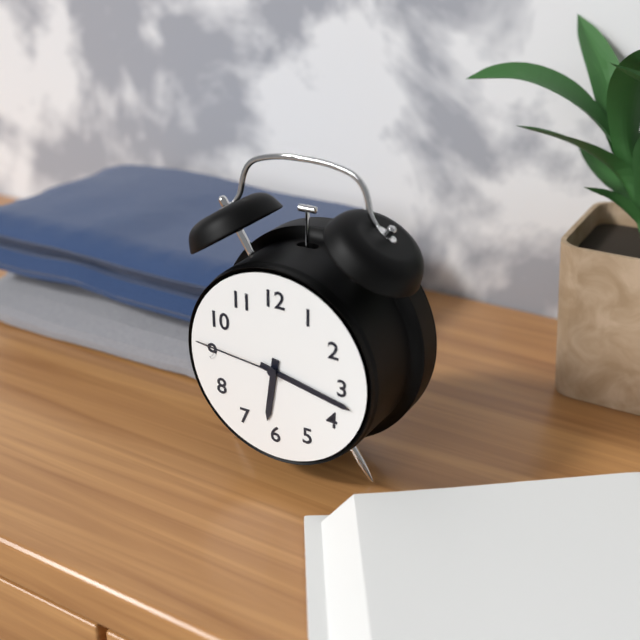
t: 6:17:46
